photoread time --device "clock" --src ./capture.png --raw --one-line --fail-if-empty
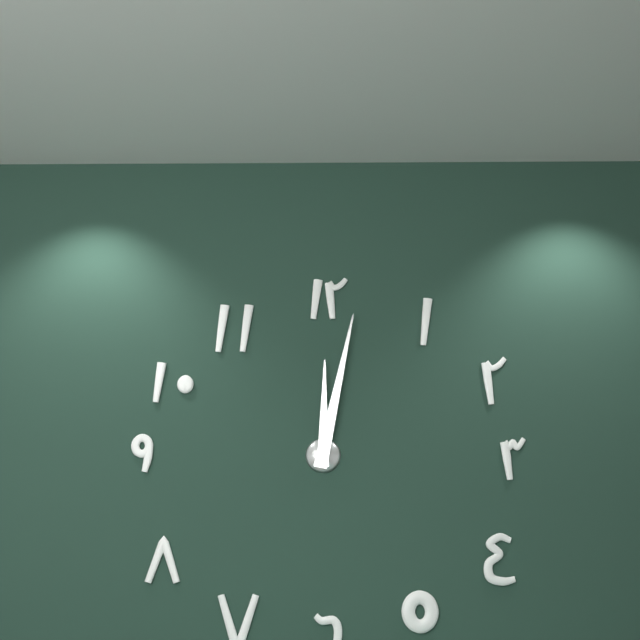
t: 12:02
